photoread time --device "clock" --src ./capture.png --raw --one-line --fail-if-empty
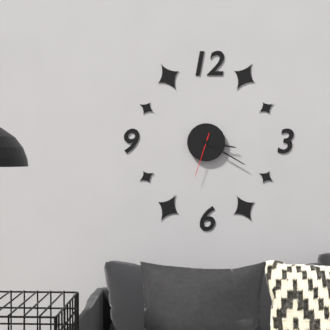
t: 3:20
